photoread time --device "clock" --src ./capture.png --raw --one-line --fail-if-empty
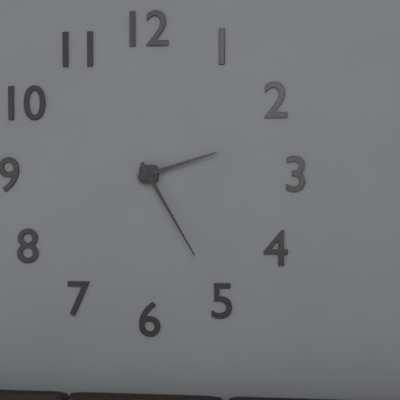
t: 2:25
